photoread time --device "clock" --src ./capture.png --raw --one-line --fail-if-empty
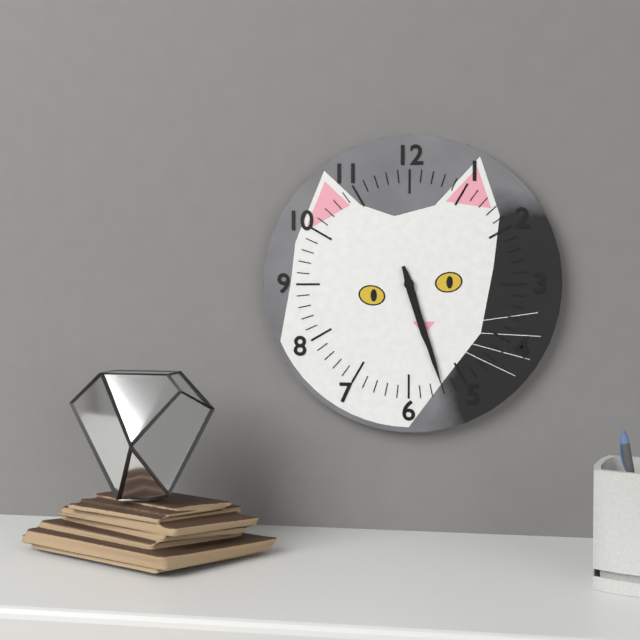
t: 5:27
